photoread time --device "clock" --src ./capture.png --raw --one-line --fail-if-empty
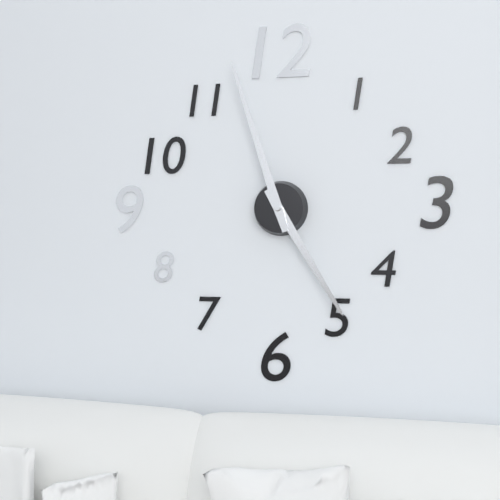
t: 4:57
